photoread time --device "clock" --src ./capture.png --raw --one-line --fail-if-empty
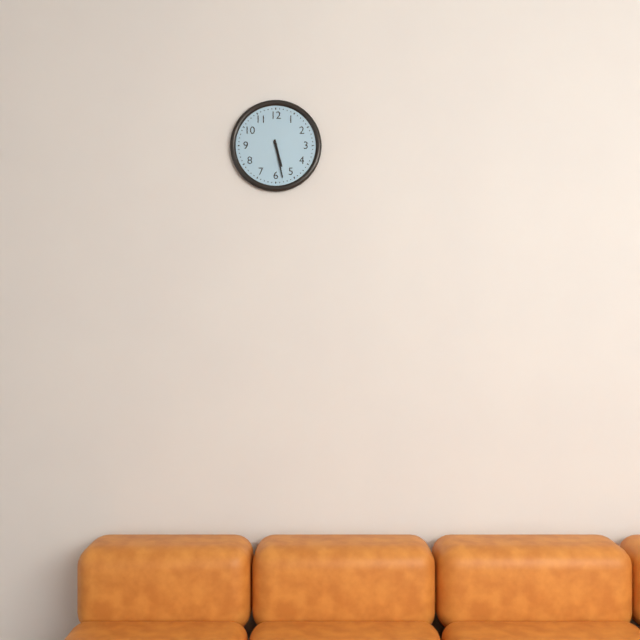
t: 5:28
